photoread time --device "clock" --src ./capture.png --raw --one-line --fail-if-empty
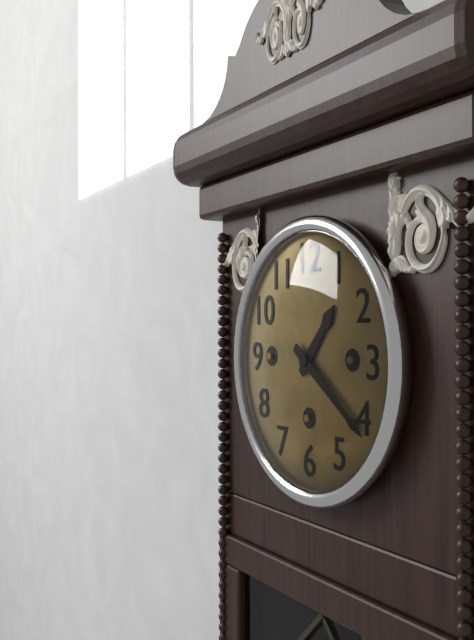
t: 1:21
